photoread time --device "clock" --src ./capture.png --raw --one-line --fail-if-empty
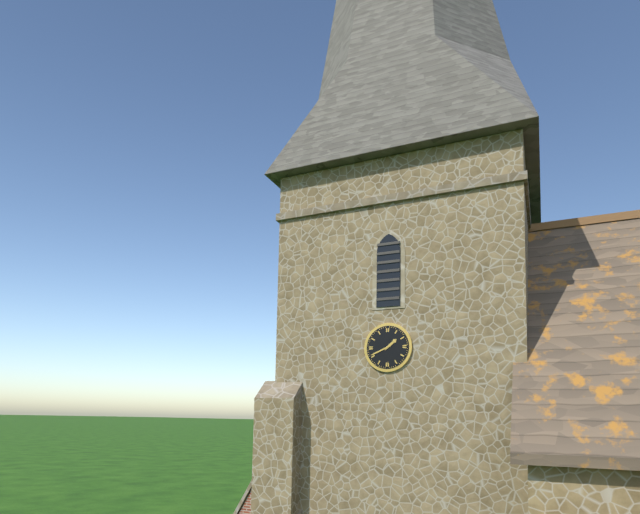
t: 1:41
